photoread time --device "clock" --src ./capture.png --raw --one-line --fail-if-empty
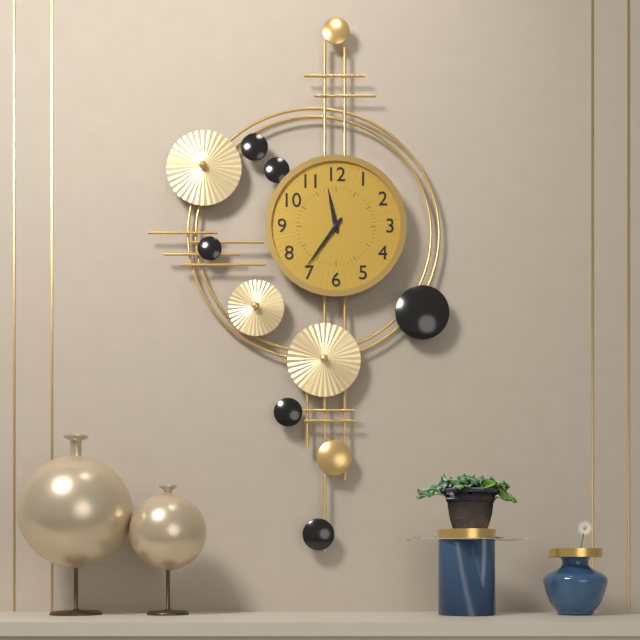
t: 11:36
